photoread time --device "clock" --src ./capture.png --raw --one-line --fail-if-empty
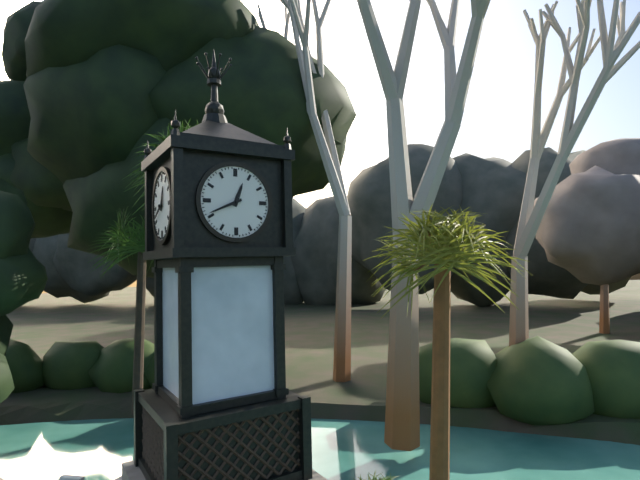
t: 12:41
